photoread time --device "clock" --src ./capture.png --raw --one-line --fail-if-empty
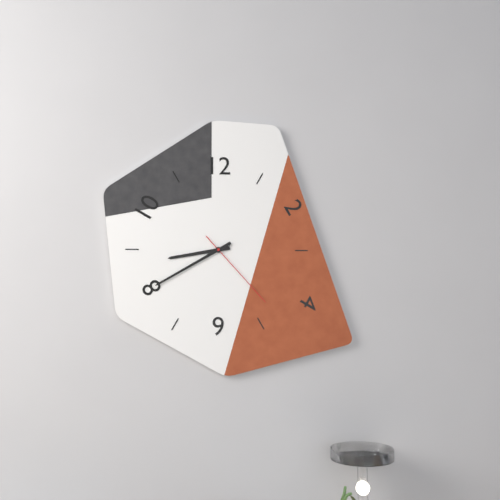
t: 8:40:23
